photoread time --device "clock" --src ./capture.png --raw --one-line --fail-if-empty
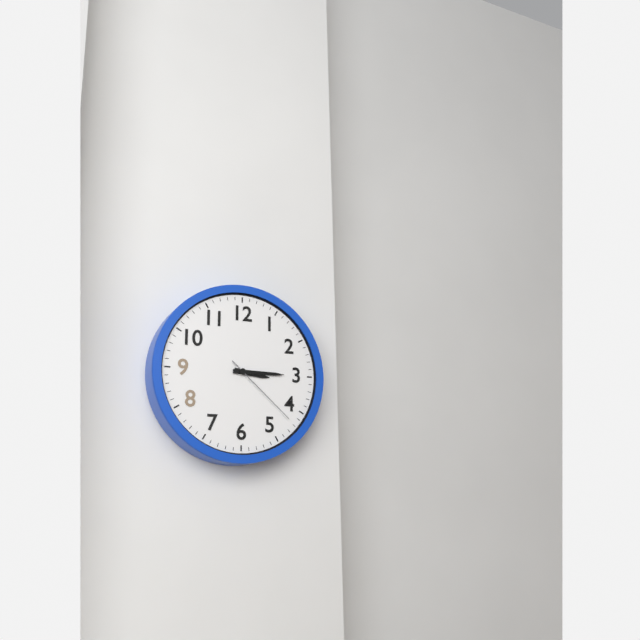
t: 3:15:22
